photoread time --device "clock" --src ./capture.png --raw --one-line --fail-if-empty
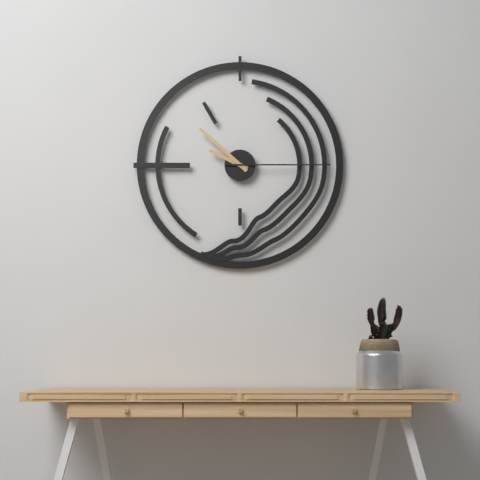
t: 9:52:15
